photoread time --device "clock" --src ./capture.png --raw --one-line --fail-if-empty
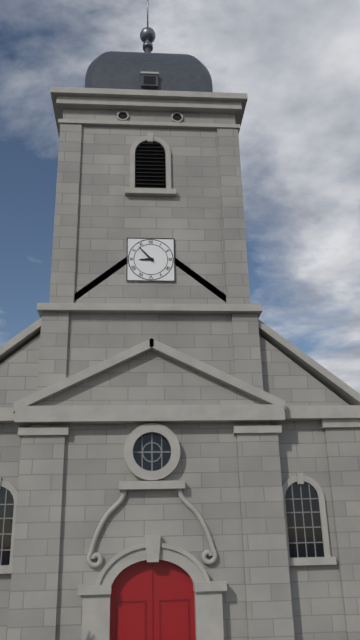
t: 8:53
